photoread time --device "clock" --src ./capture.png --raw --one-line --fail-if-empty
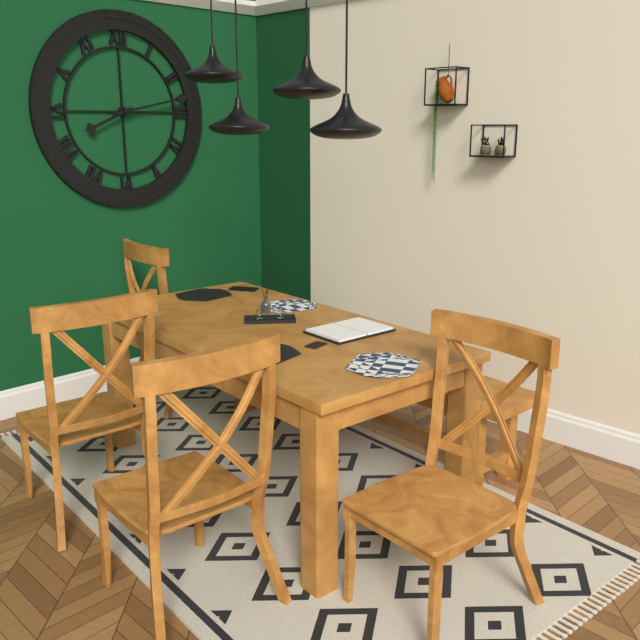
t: 8:13
